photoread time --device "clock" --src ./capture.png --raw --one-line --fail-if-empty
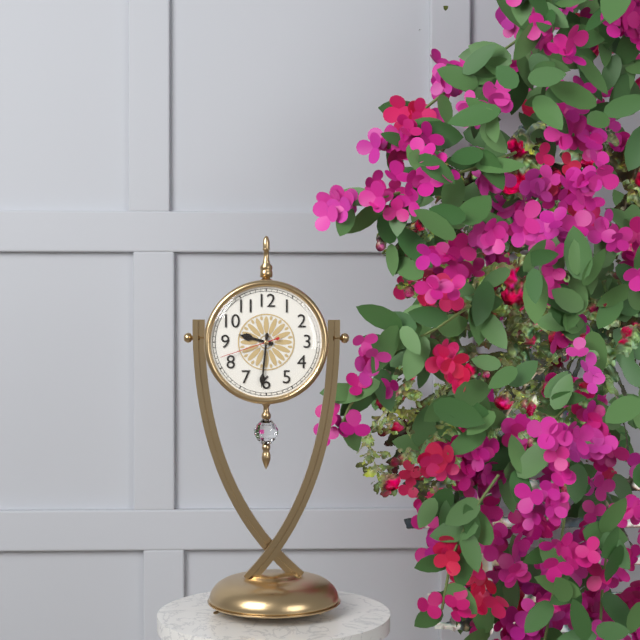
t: 9:31:42
